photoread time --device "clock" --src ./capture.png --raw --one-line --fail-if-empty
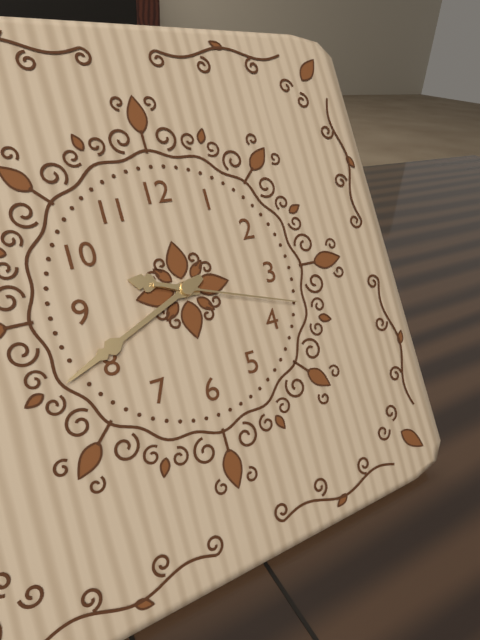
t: 9:41:18
